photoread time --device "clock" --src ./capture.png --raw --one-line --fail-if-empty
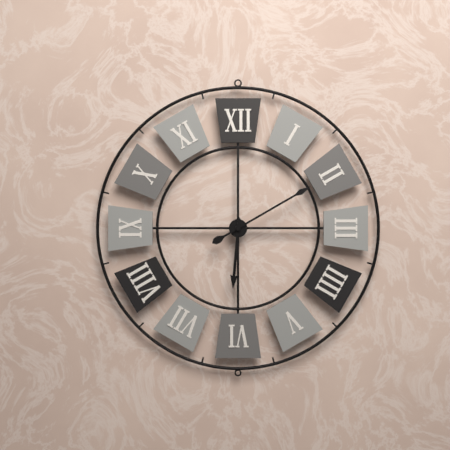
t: 6:10
